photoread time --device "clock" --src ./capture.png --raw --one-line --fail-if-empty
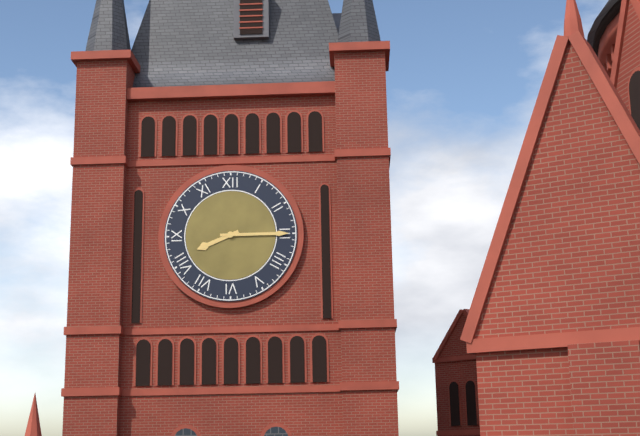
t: 8:15
